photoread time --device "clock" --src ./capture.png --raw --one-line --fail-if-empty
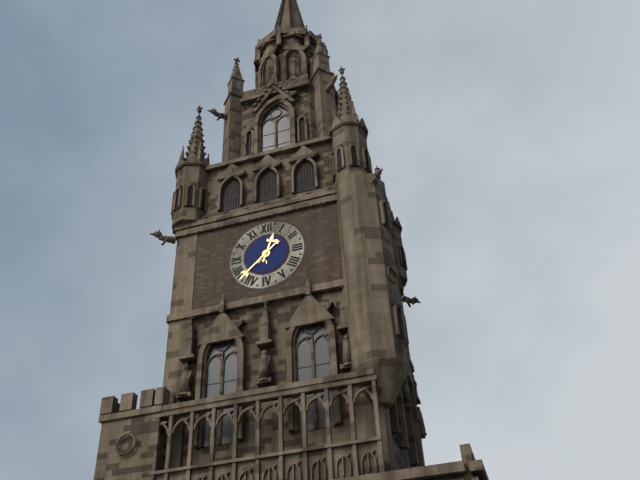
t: 12:38
